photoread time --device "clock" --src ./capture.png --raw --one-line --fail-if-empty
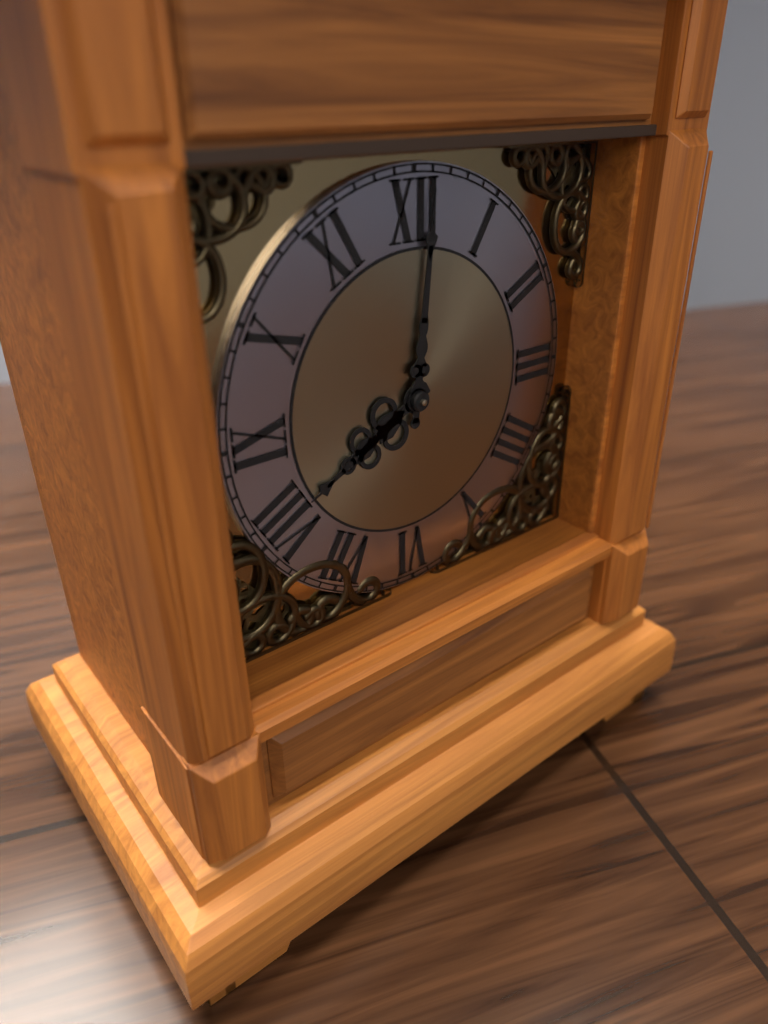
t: 8:01
